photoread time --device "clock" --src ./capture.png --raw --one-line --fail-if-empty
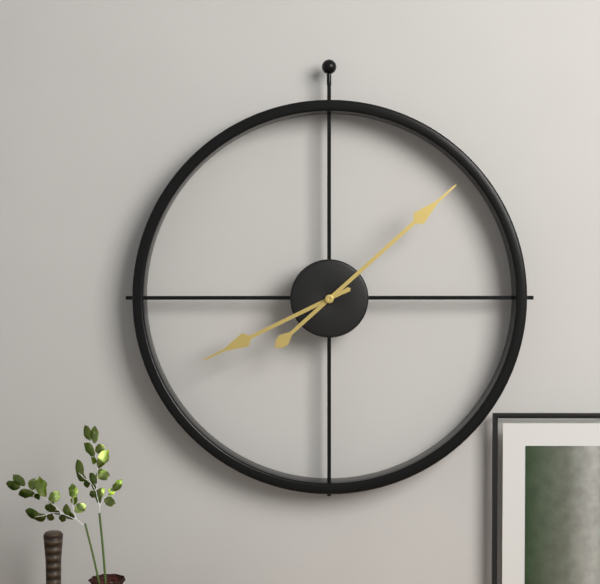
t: 8:08
